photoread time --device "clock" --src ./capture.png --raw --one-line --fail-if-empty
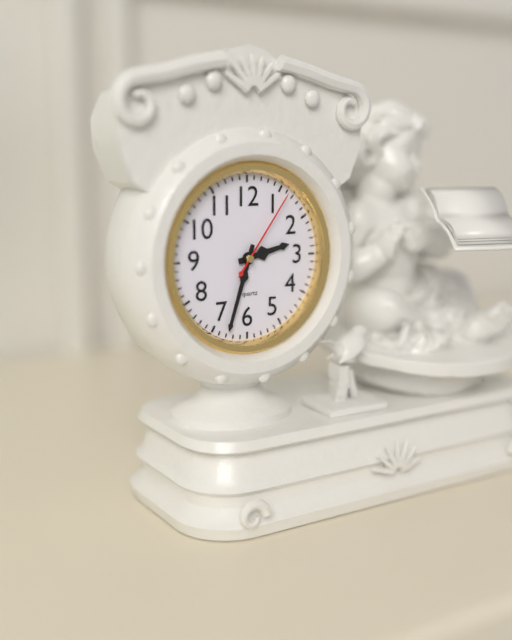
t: 2:33:06
